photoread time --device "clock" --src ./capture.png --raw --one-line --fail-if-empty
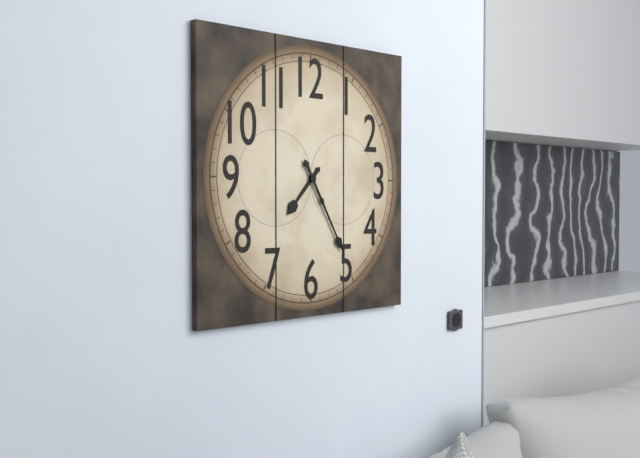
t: 7:25
